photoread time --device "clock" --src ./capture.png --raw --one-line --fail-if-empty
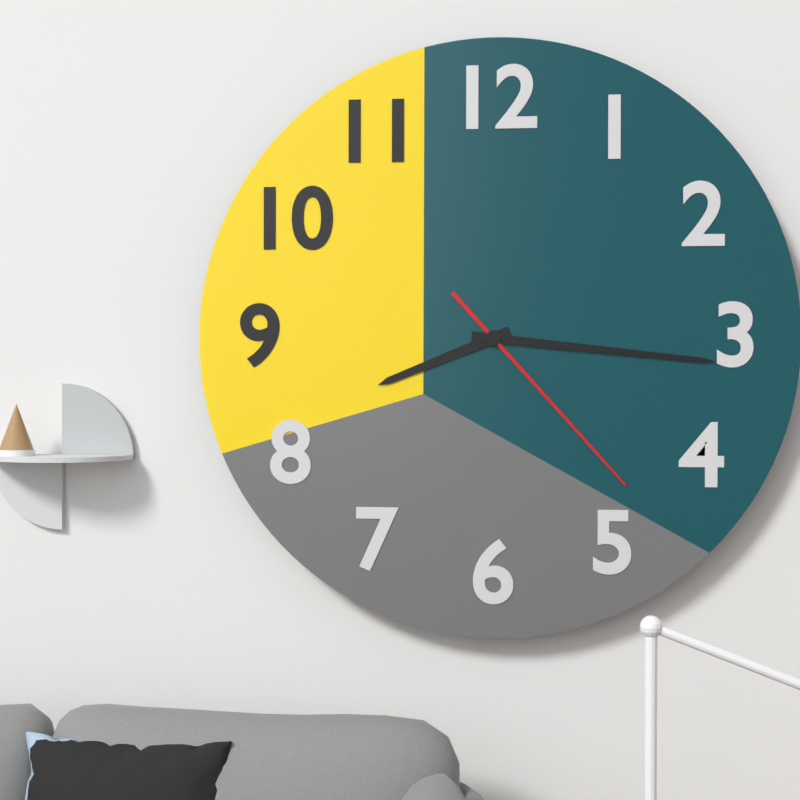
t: 8:16:23
